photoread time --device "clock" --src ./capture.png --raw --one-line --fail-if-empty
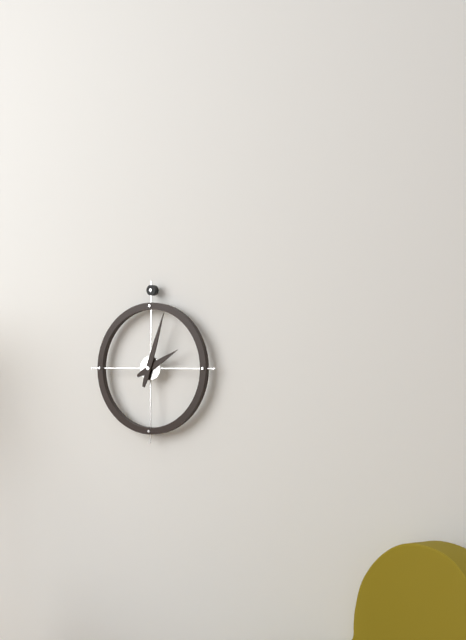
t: 2:03
